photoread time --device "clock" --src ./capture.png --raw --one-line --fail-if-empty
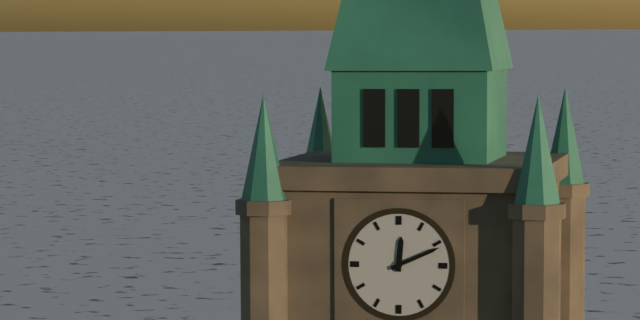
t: 12:11
